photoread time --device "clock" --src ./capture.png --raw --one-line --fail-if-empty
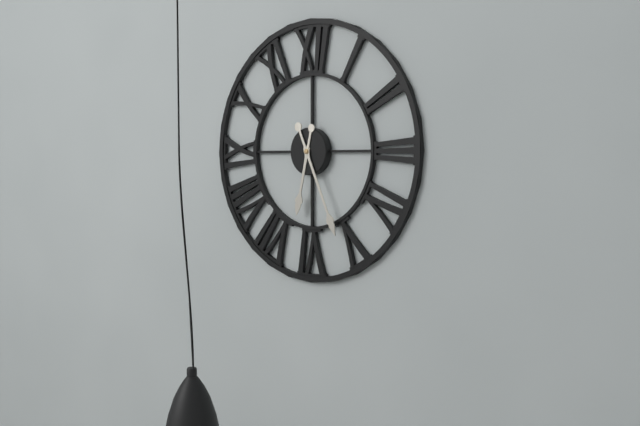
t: 6:26
